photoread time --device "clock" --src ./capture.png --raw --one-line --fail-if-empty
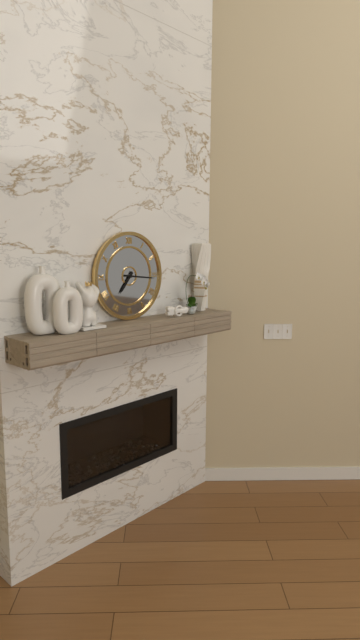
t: 7:16
